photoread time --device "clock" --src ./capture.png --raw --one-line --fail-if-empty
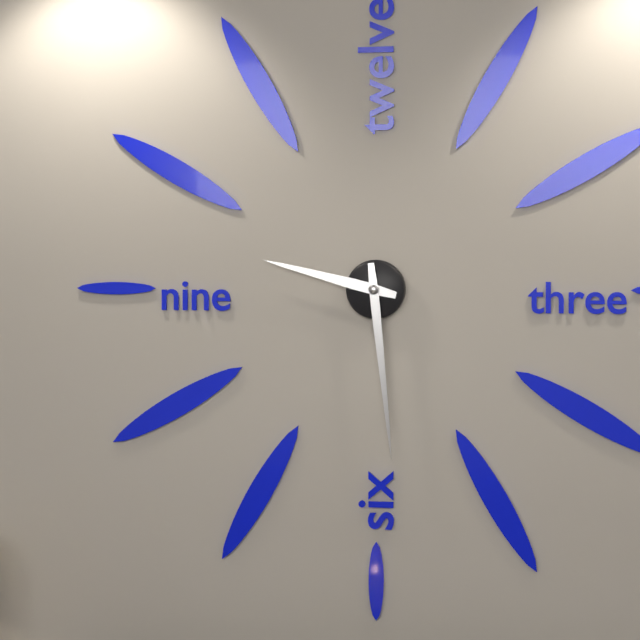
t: 9:29
